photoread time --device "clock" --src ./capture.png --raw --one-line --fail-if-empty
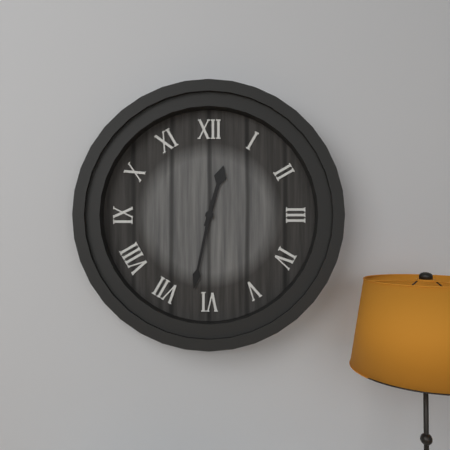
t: 12:32
